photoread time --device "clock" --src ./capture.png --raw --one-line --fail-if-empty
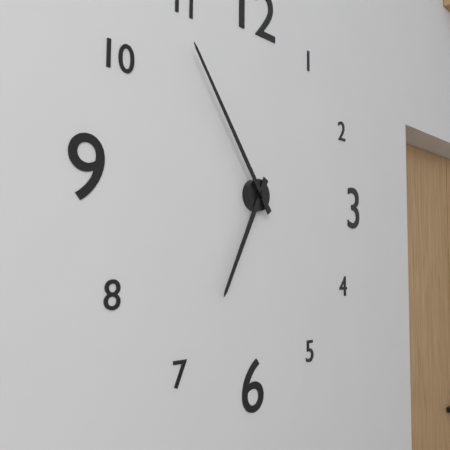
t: 6:54
